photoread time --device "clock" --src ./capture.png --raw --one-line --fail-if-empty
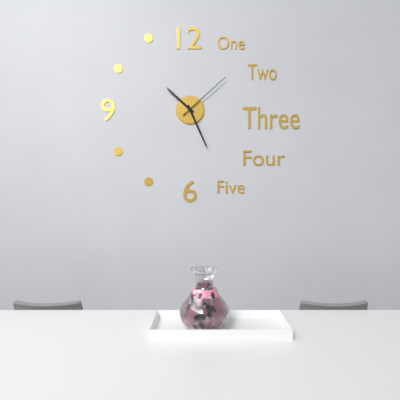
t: 10:26:08
